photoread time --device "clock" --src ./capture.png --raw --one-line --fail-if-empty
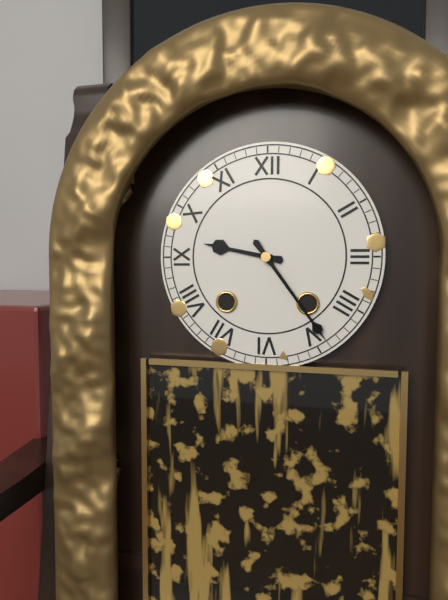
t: 9:24
